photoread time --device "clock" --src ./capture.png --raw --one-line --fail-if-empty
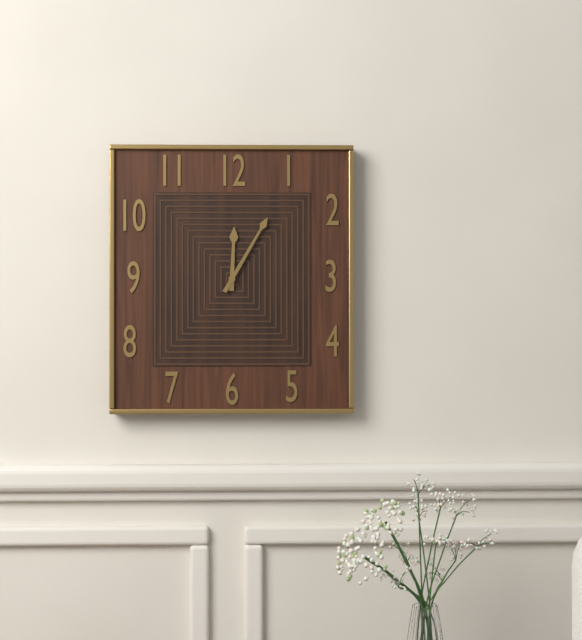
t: 12:05
